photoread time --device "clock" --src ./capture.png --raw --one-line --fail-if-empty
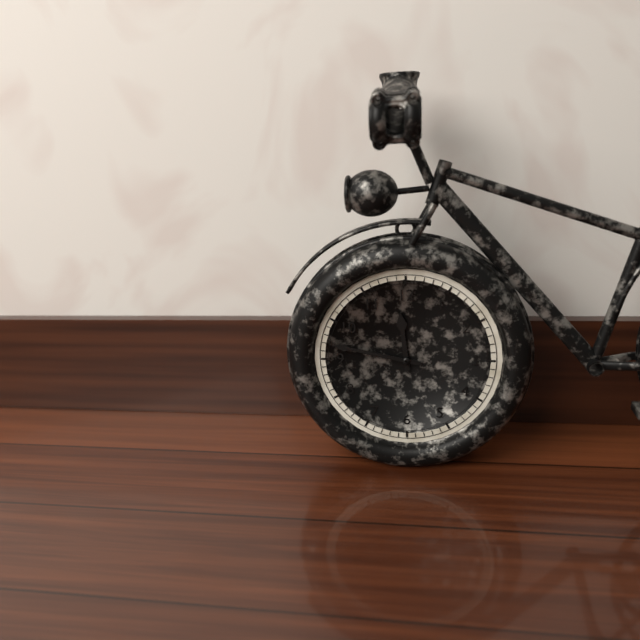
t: 11:47
